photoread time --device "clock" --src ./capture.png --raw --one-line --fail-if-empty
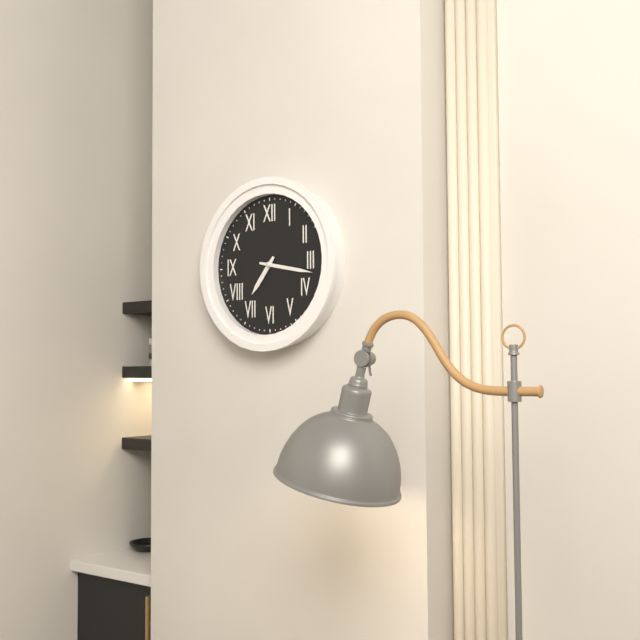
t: 7:17
